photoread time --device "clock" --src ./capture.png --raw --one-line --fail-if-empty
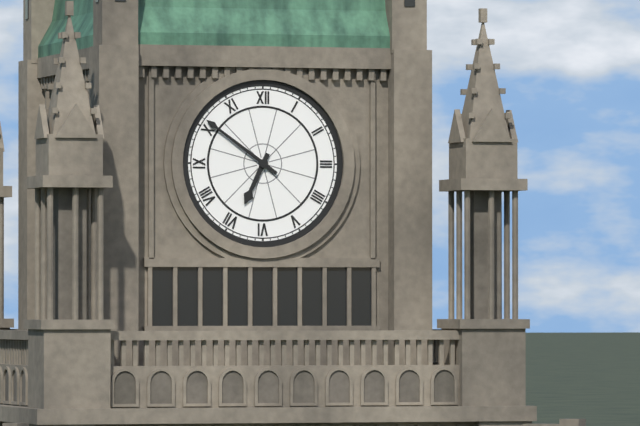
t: 6:51
